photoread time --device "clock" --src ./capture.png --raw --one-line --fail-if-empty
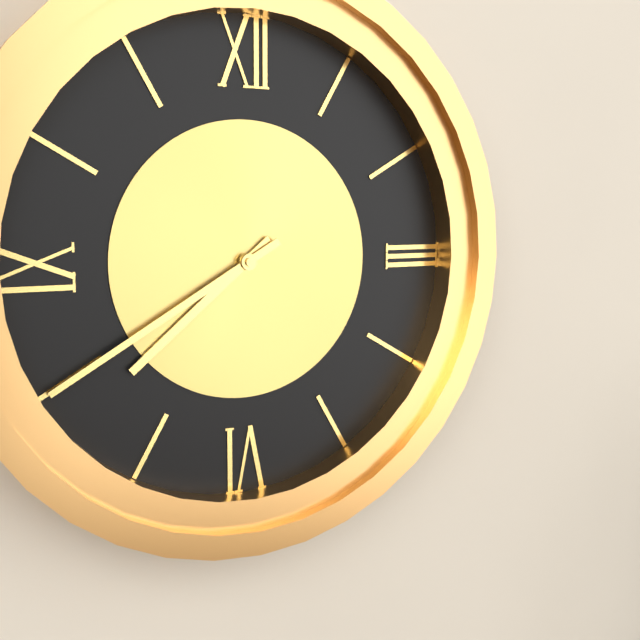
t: 7:40
